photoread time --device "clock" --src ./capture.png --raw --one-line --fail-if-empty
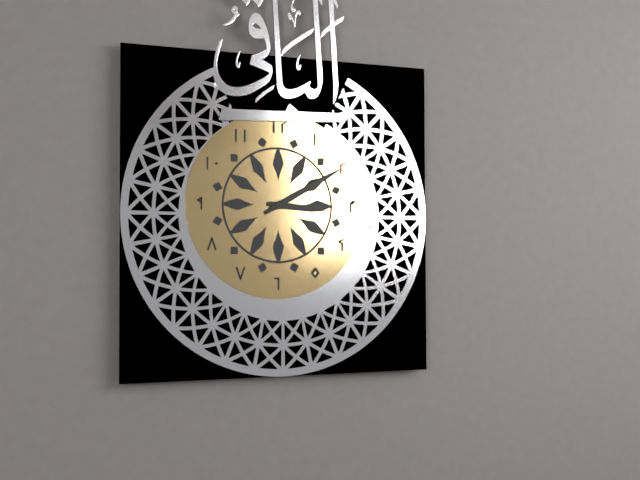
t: 3:10
